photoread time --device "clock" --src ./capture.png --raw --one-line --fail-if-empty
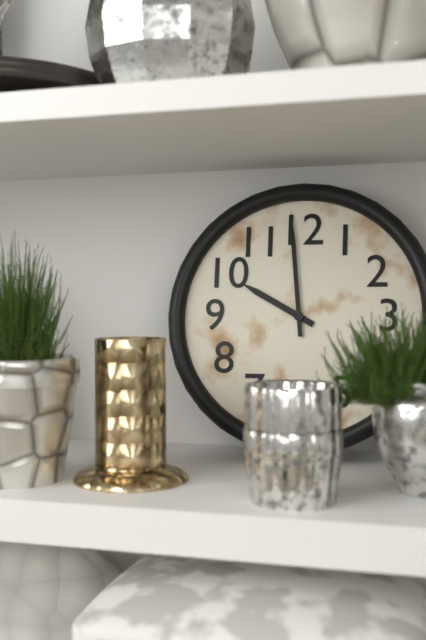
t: 9:59
